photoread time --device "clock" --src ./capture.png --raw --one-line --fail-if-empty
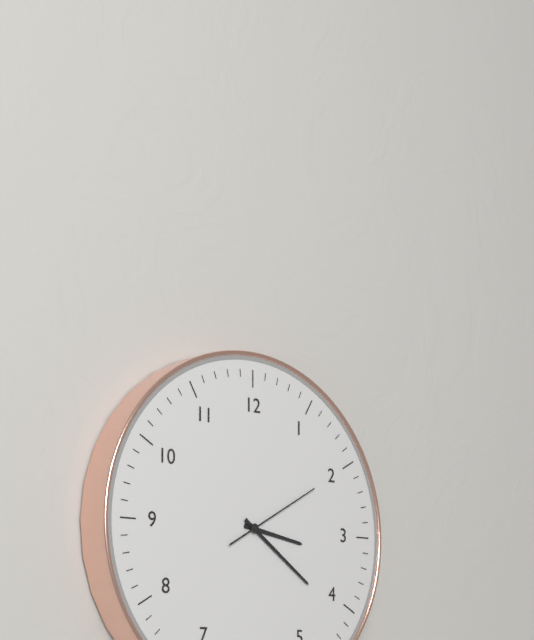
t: 3:21:10
